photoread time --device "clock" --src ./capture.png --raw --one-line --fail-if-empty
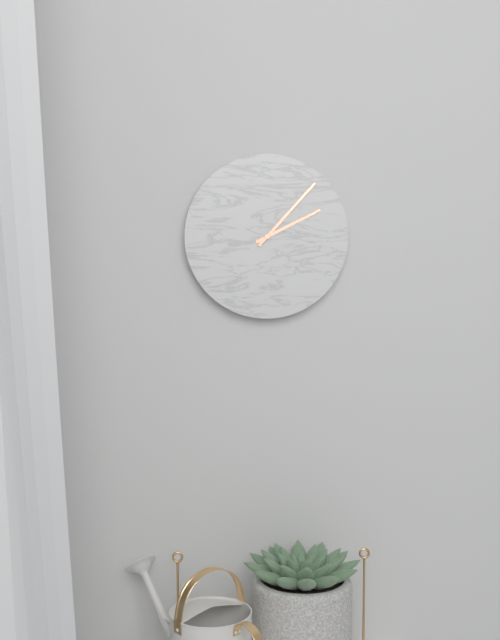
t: 2:07
